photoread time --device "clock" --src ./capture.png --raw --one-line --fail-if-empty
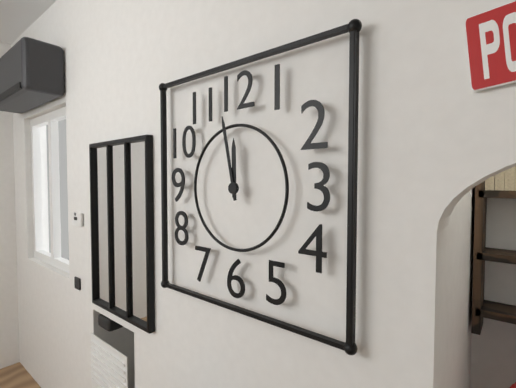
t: 11:58
